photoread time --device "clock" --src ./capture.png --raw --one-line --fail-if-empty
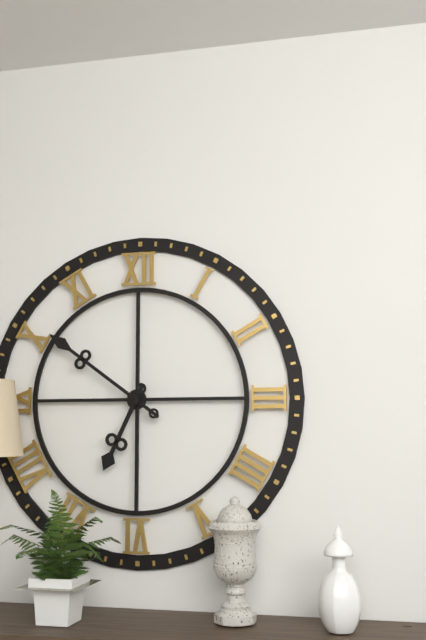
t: 6:51
